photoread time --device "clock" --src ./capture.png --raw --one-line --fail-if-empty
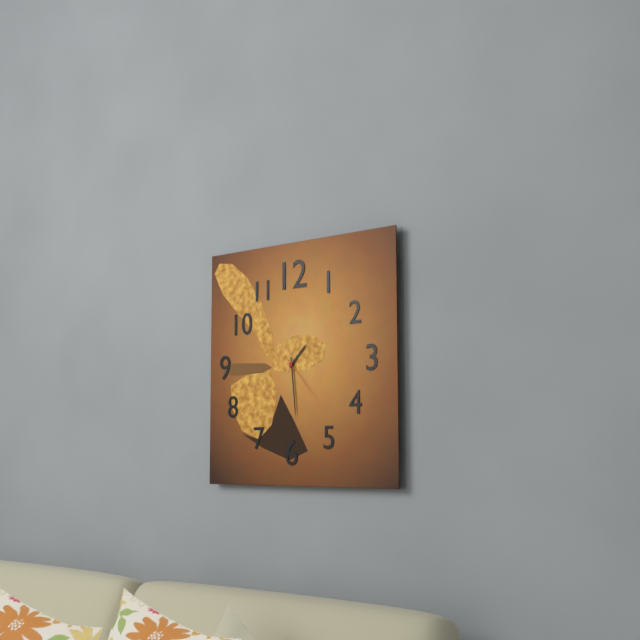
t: 1:29:23
